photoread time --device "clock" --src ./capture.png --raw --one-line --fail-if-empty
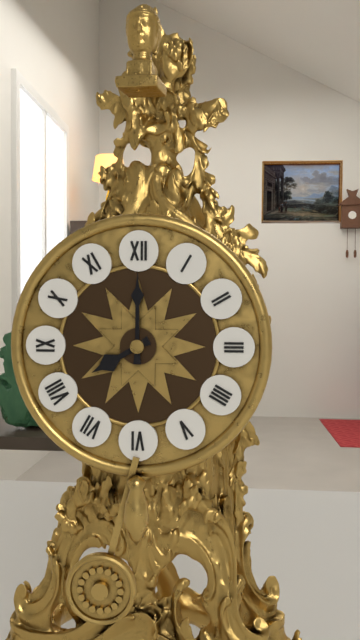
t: 8:00
